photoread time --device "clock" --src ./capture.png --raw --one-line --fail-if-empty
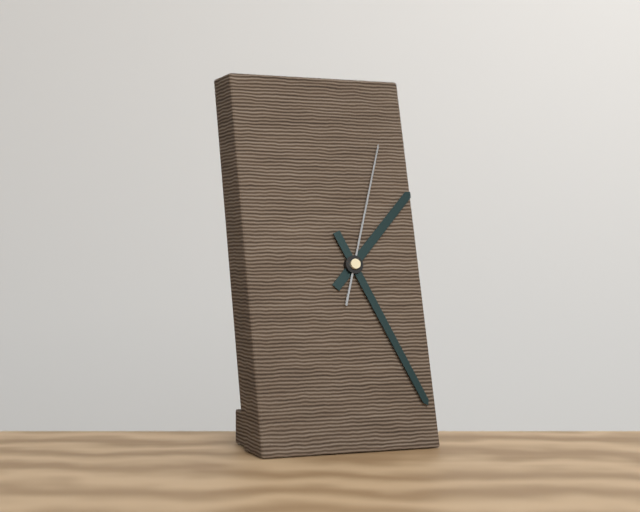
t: 1:26:03
